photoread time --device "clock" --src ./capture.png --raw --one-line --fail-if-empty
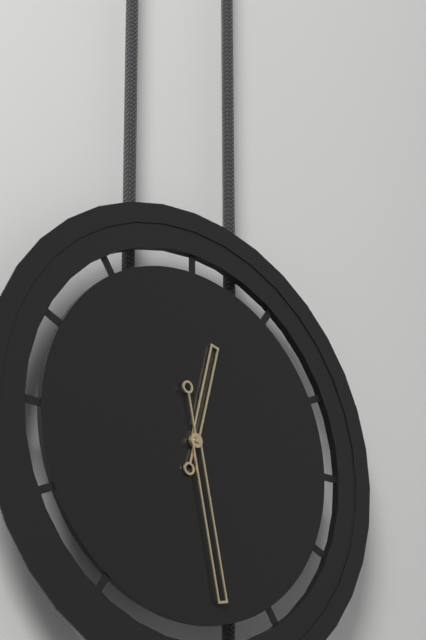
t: 12:28
